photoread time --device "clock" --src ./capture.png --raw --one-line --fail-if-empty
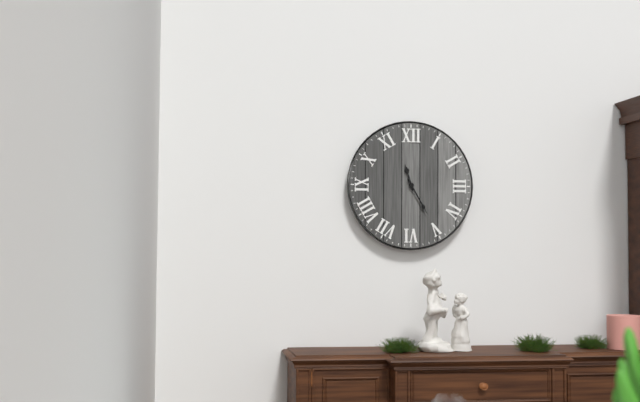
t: 11:25
